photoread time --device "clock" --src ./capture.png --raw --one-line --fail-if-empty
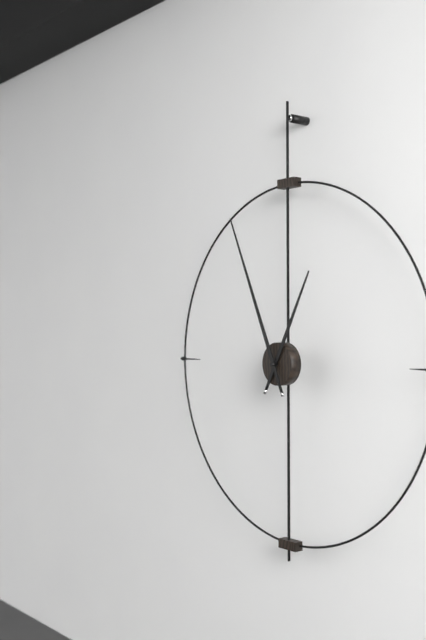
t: 12:56
